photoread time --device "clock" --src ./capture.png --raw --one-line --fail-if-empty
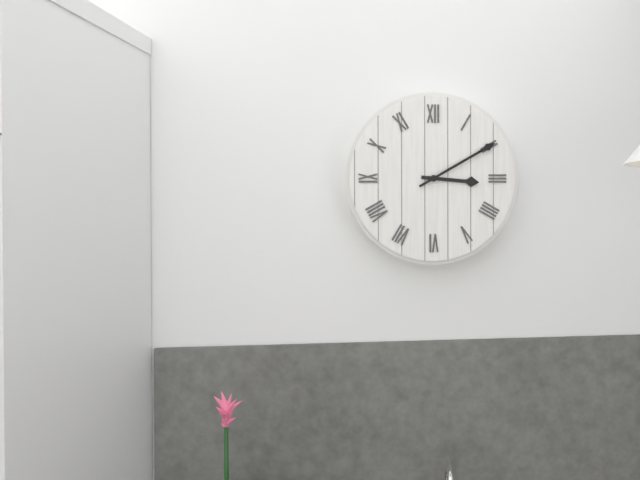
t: 3:10
